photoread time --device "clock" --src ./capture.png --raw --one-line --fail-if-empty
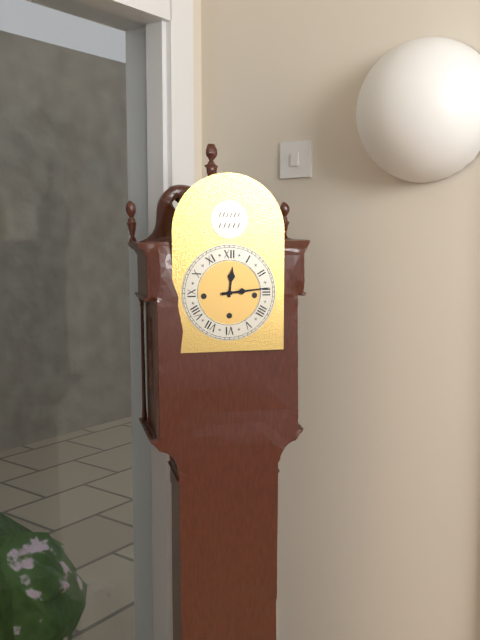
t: 12:14
